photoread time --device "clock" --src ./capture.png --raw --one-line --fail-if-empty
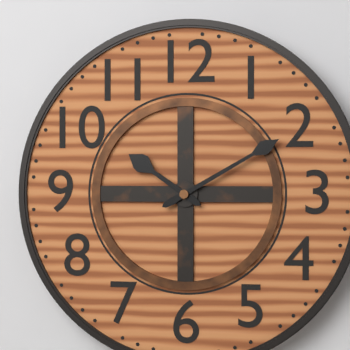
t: 10:10
